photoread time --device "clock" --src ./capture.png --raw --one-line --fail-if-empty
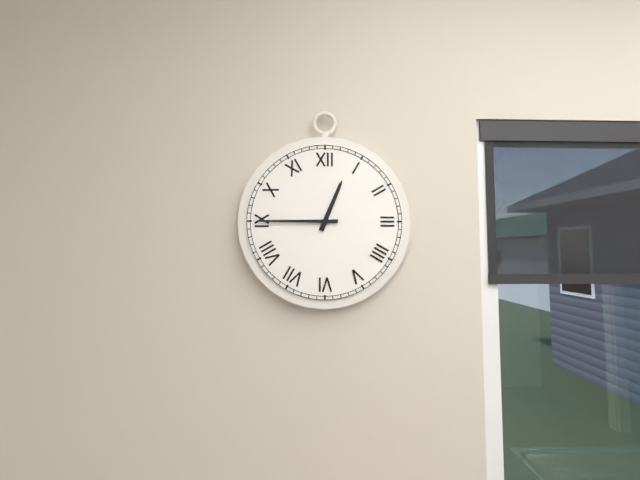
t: 12:45
